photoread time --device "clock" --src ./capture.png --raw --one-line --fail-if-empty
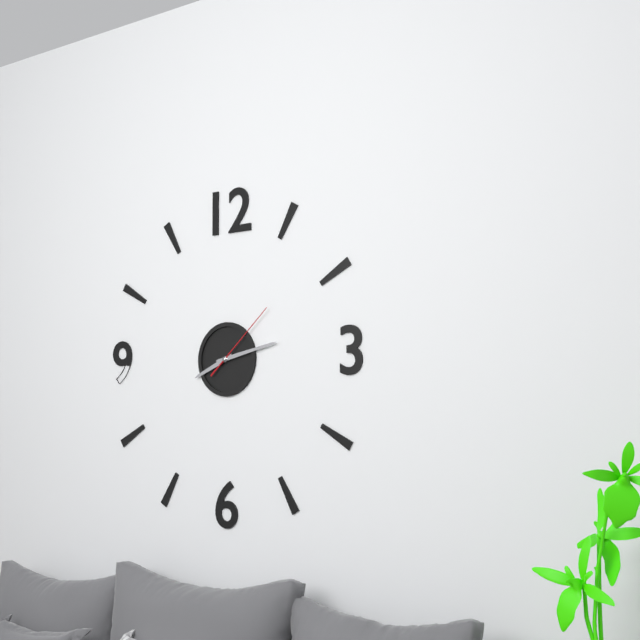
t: 8:13:08
